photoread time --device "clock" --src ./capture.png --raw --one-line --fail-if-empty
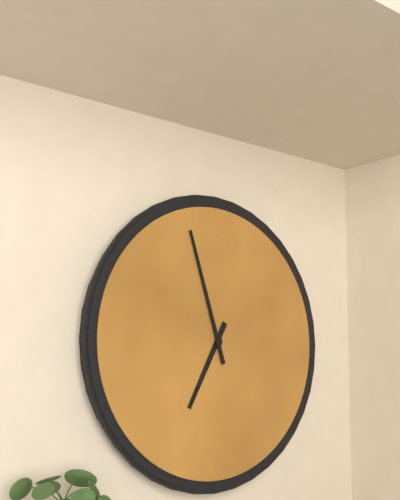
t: 6:57
